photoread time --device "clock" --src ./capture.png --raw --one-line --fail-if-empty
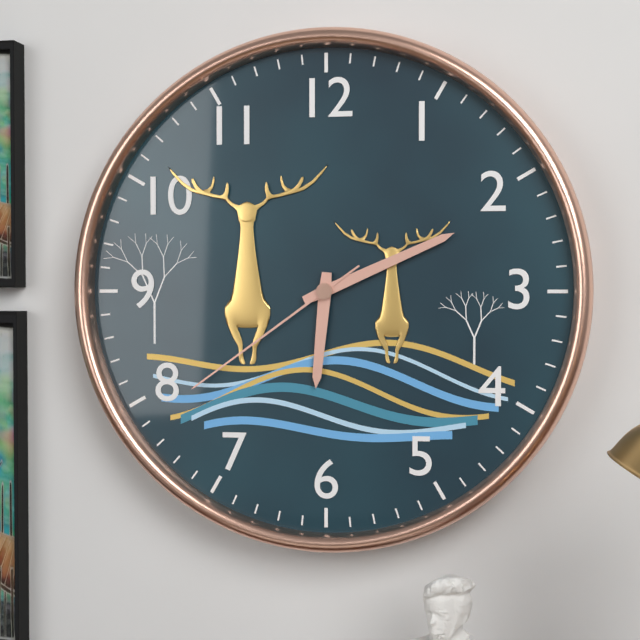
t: 6:11:39
